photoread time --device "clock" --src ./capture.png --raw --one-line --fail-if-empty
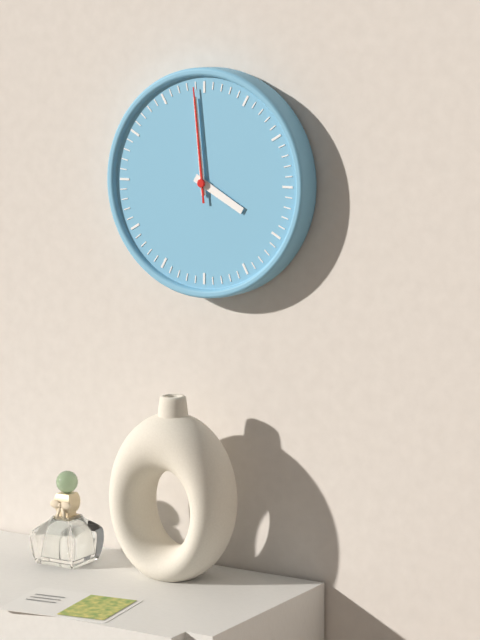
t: 3:59:59
